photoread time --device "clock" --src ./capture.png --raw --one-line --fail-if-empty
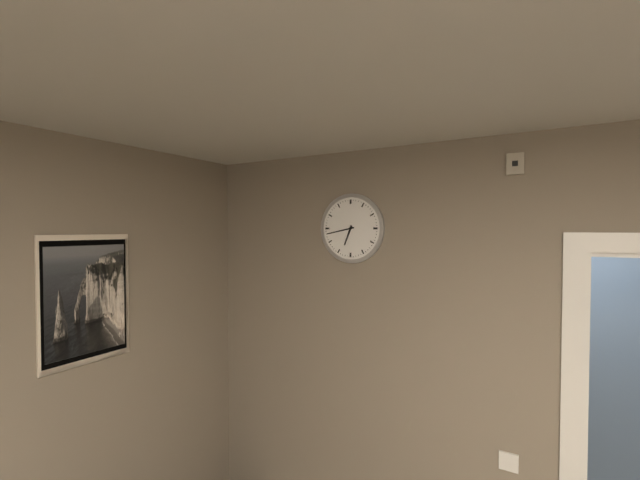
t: 6:43
